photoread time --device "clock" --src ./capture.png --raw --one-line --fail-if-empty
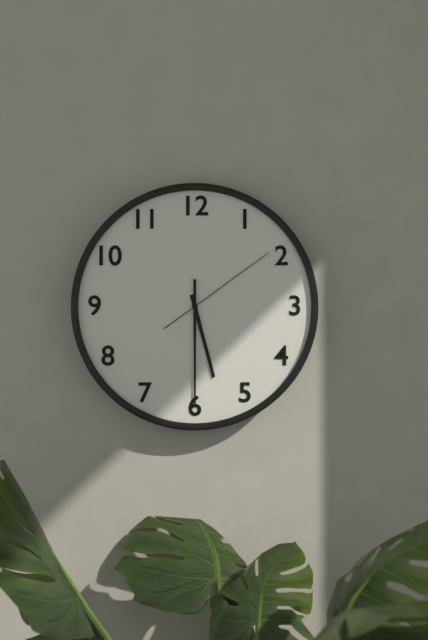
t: 5:30:09
